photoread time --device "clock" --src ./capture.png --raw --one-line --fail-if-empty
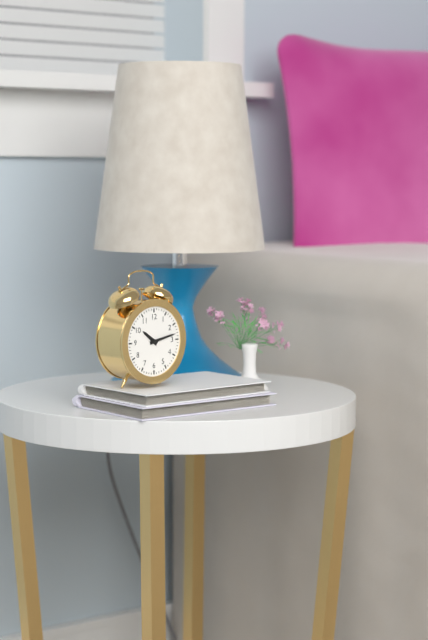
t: 10:13
